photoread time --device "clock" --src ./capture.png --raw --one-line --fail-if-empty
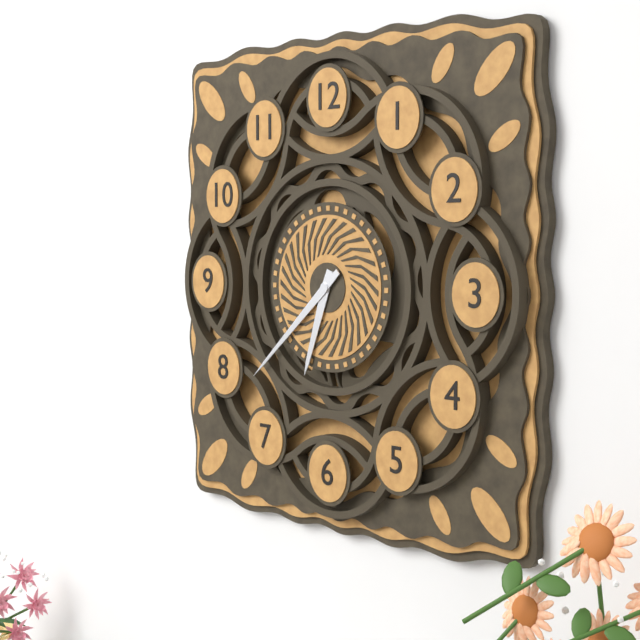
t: 6:38
